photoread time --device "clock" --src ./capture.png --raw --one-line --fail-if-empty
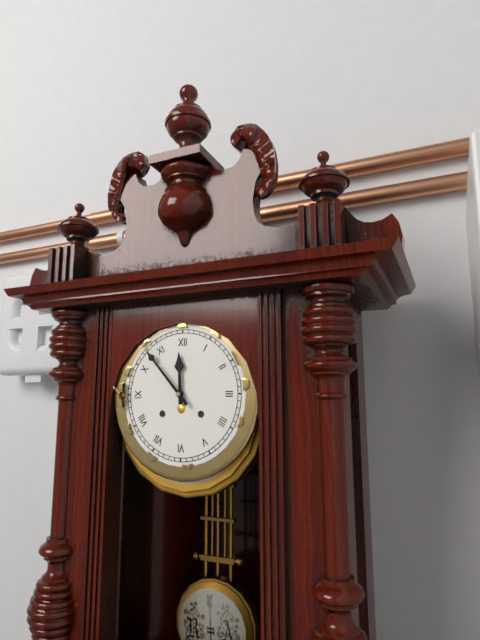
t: 11:53
